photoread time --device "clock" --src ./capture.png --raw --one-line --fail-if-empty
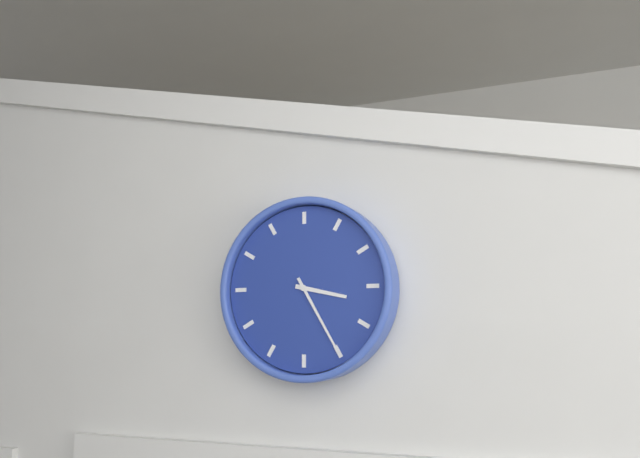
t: 3:25
